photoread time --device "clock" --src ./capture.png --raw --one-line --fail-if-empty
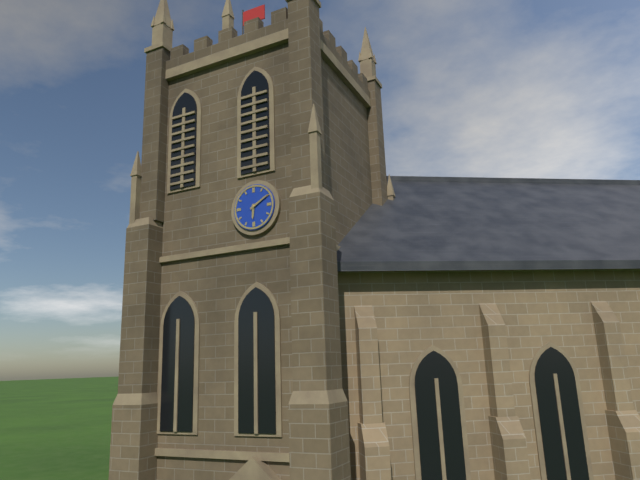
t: 6:10
